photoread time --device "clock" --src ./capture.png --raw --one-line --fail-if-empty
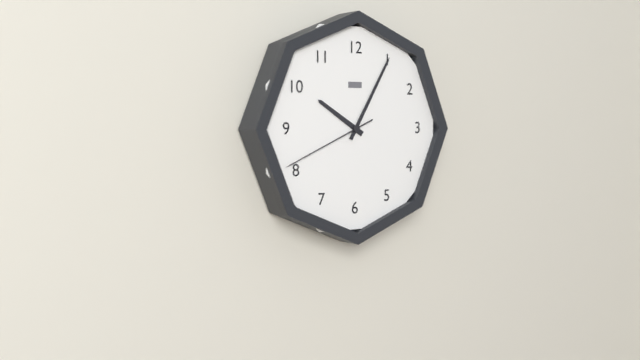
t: 10:05:41
